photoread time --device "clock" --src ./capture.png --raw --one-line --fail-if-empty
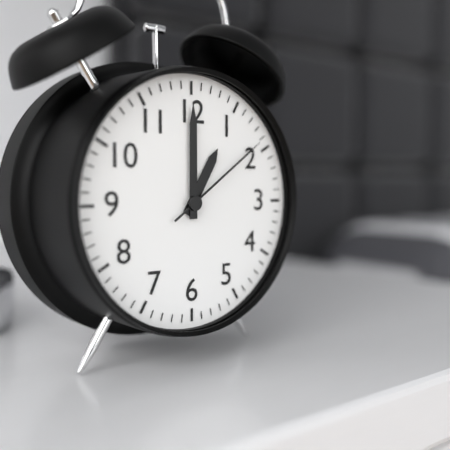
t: 1:00:09
